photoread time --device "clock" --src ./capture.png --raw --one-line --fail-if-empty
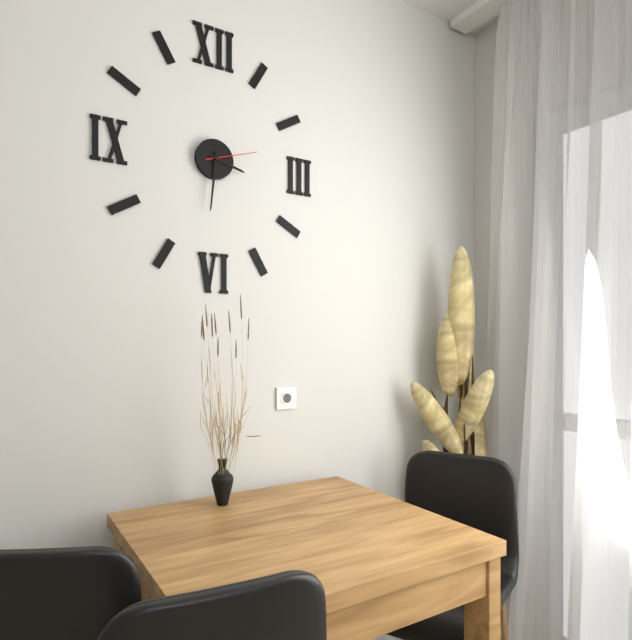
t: 3:31:12
